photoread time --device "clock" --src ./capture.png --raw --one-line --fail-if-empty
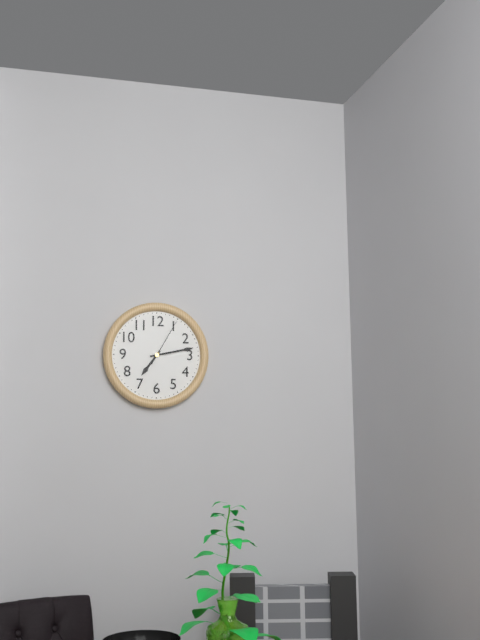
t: 7:13
